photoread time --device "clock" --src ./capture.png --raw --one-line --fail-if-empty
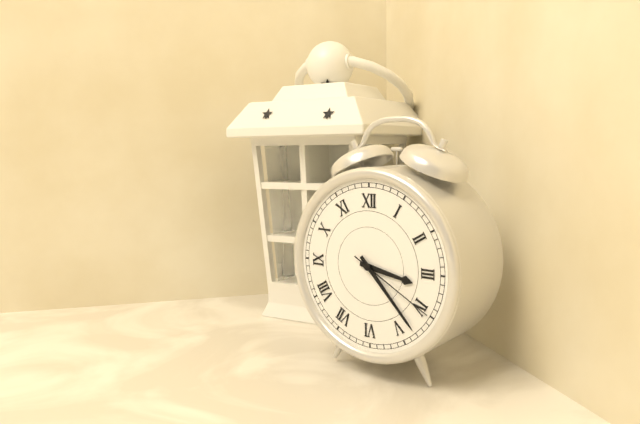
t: 3:23:20
